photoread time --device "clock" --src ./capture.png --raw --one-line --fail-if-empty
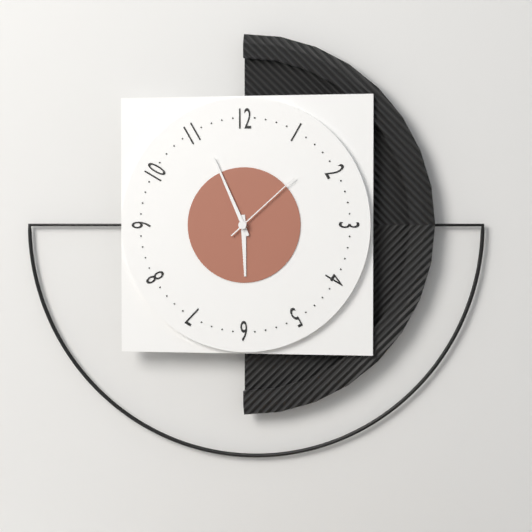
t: 5:56:08
